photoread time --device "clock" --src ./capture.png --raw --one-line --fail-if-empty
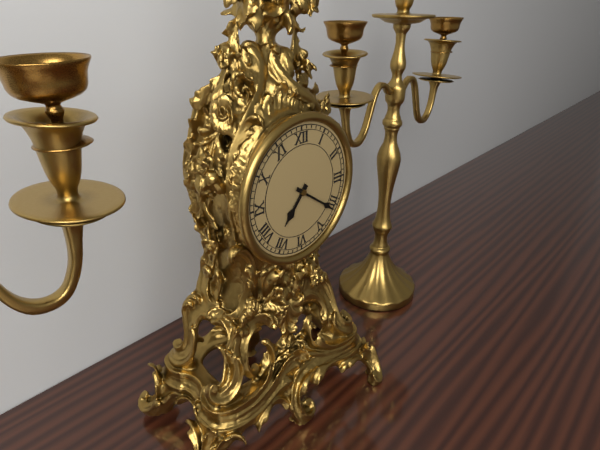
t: 7:21
